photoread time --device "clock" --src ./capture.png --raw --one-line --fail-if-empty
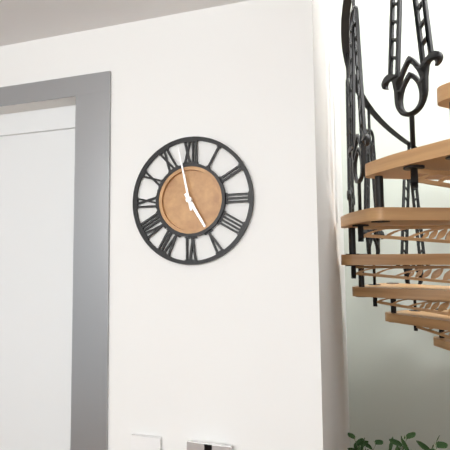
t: 4:58
